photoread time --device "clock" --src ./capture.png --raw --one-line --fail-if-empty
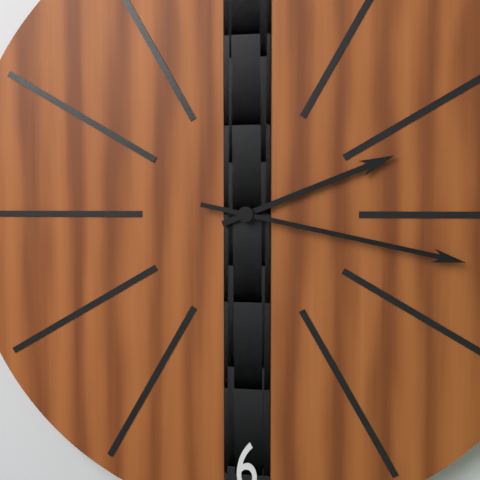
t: 2:17
